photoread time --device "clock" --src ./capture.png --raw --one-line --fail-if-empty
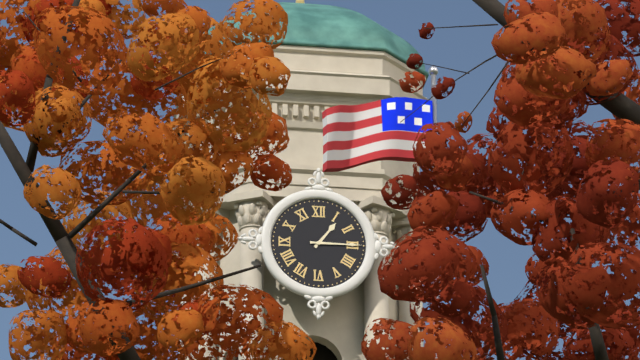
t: 1:15
